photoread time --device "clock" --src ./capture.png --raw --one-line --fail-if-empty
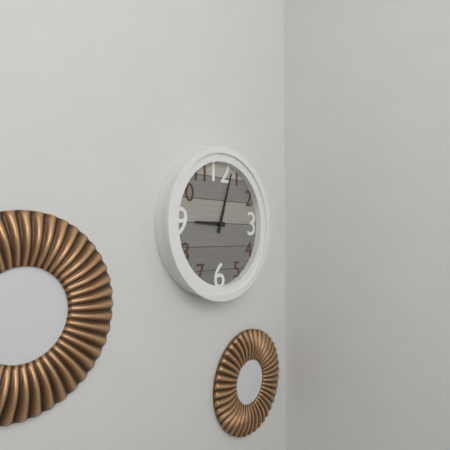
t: 9:03
